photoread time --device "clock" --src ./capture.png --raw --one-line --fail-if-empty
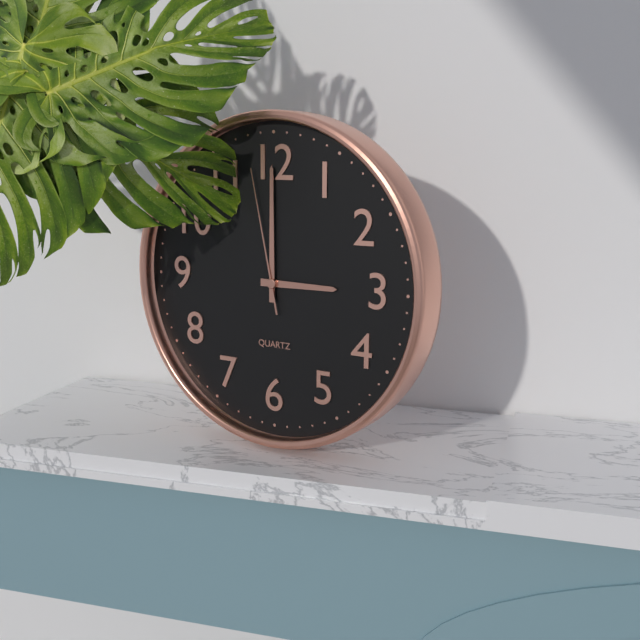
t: 3:00:58
